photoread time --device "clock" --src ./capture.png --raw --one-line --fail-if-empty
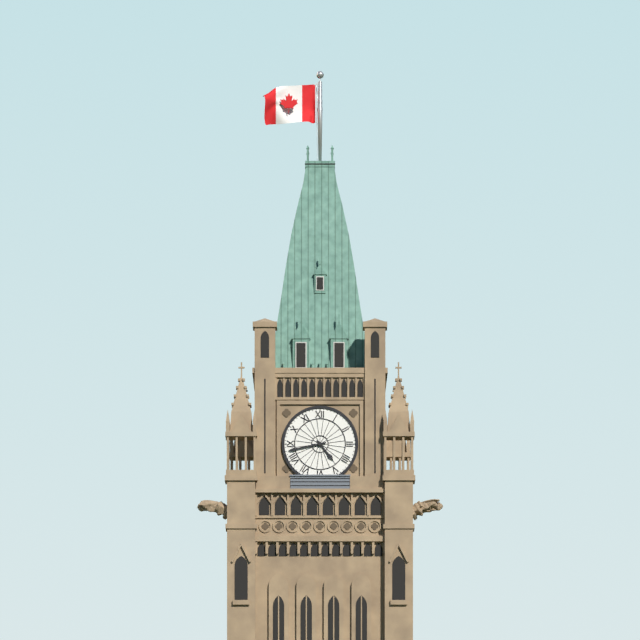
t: 4:43
